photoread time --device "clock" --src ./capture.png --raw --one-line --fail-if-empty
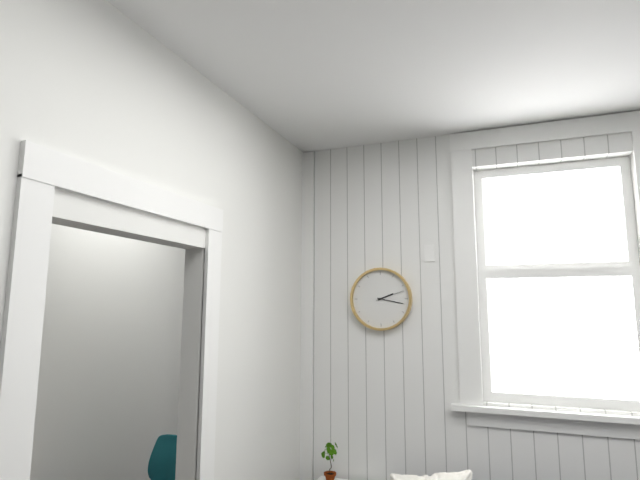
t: 2:17
